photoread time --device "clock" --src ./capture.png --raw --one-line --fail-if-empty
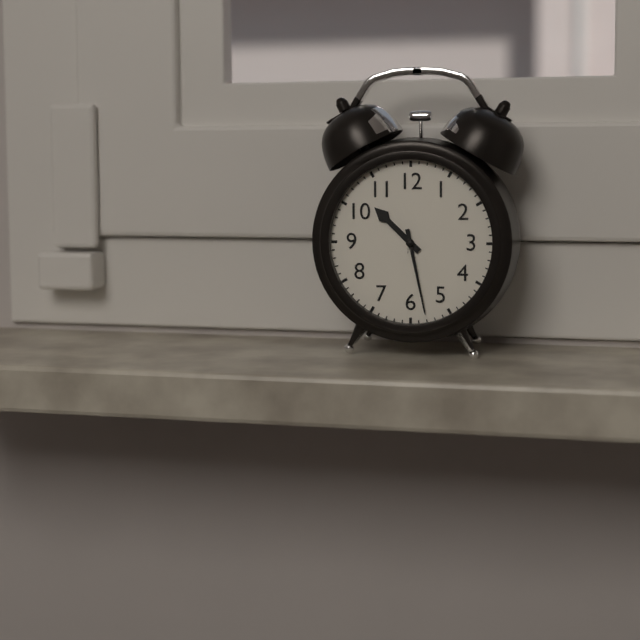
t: 10:28
